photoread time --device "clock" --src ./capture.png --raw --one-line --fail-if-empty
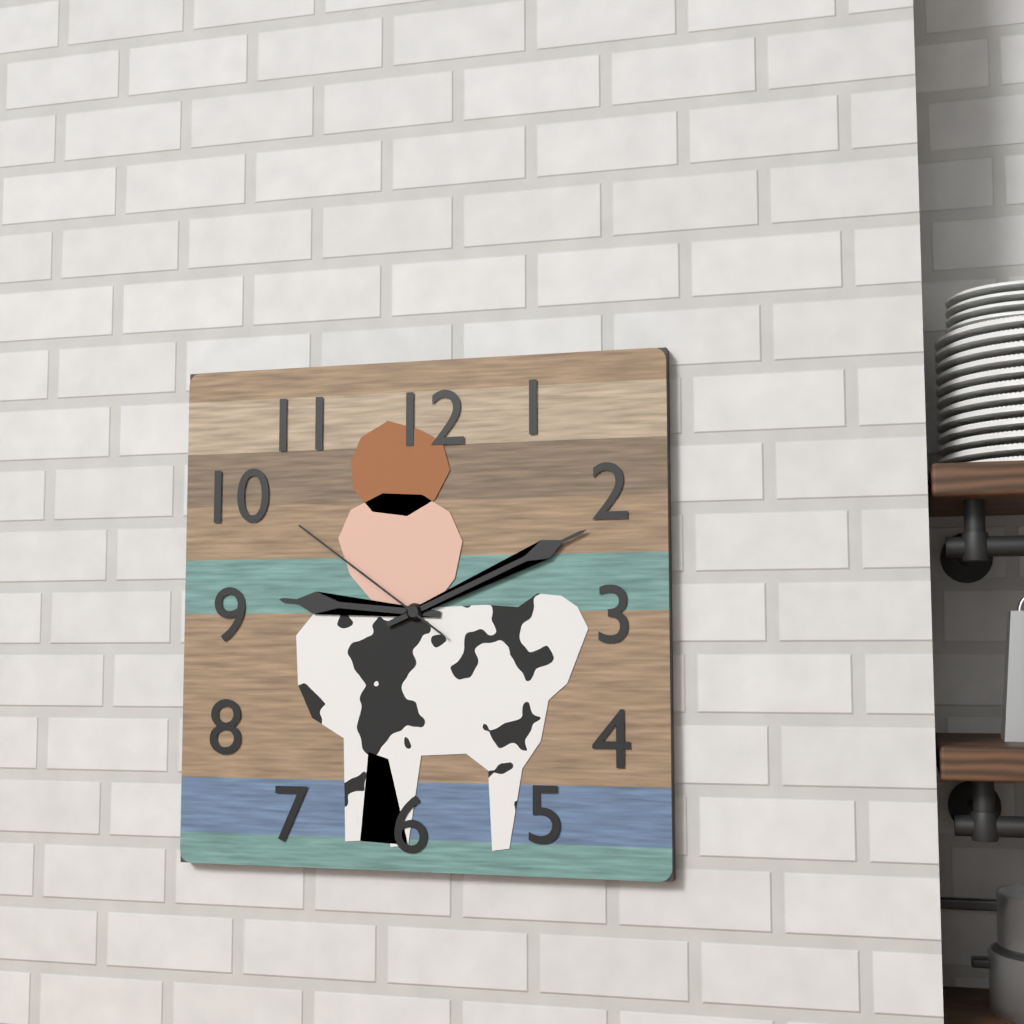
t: 9:11:51
